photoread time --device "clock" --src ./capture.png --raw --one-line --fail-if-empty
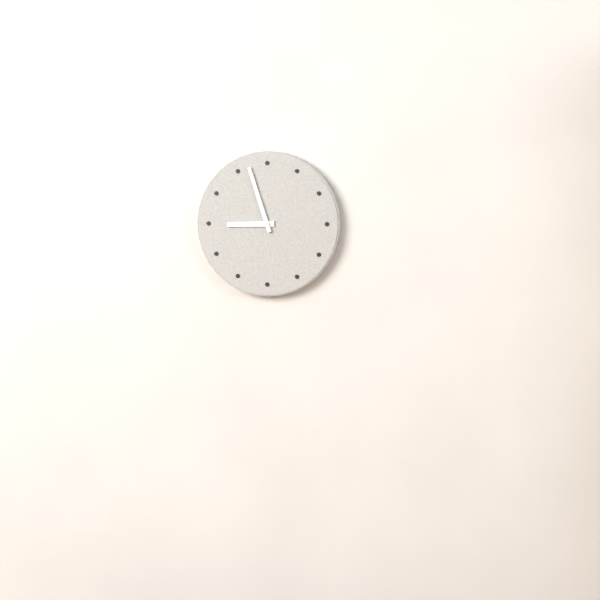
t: 8:57
